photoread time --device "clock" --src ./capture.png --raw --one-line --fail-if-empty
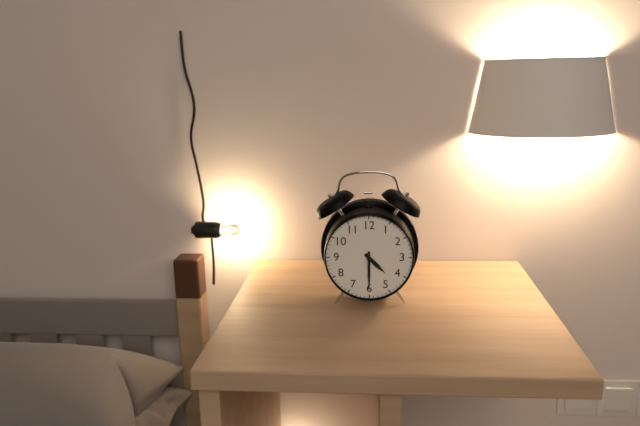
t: 4:30
